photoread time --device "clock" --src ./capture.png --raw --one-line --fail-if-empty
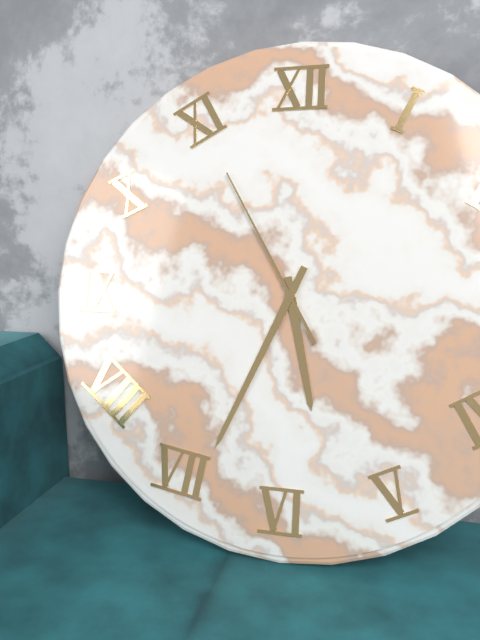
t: 5:34:55
